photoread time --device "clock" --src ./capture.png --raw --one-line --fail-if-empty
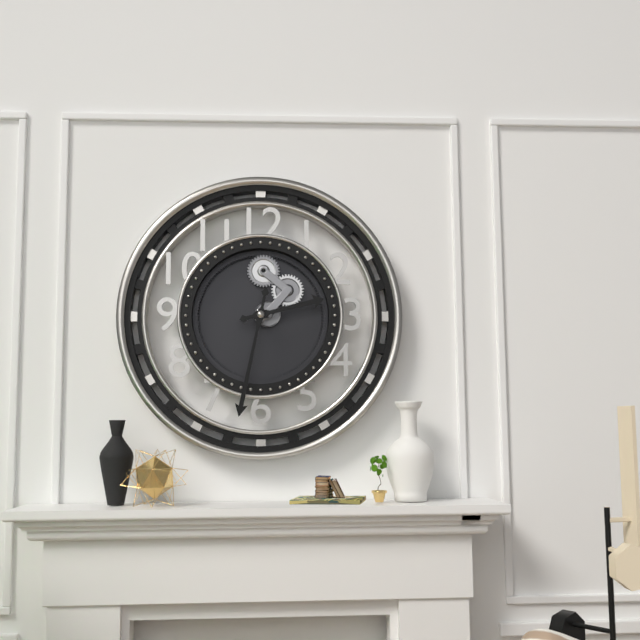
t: 2:32
